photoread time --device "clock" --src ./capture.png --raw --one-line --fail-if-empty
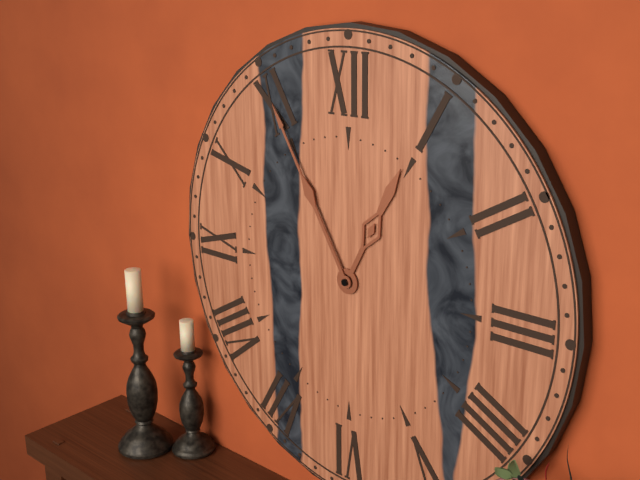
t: 12:55
